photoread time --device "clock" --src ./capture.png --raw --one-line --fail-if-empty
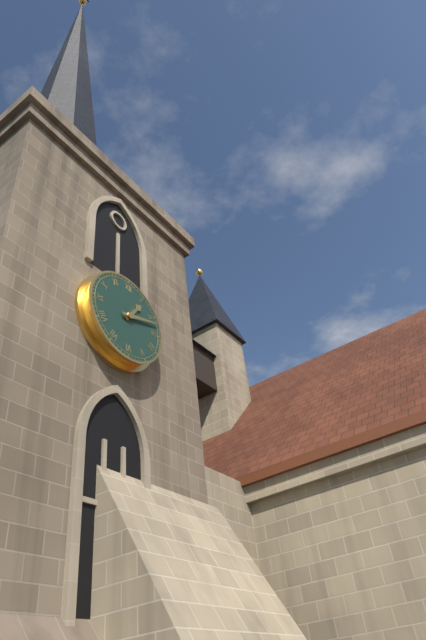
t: 1:12
